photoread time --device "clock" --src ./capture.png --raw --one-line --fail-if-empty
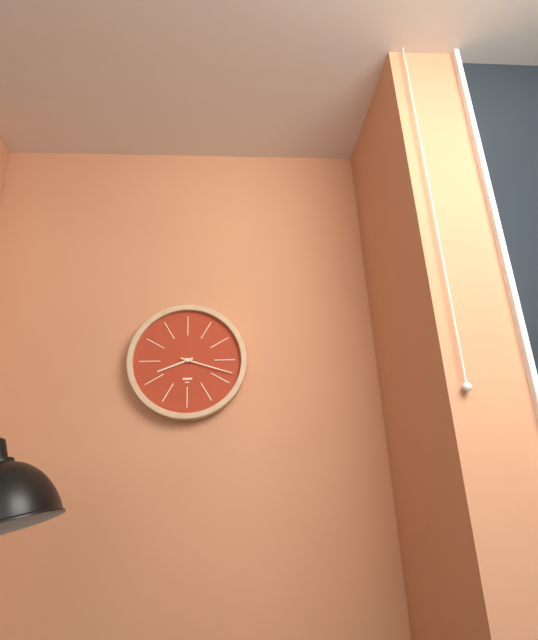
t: 8:18
